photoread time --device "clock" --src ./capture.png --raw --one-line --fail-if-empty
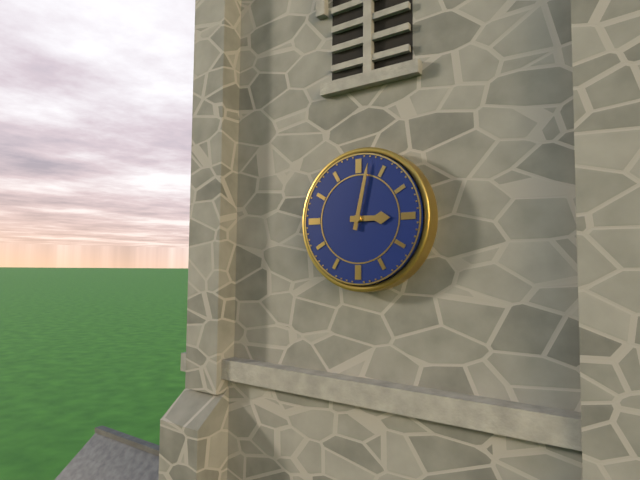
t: 3:02
